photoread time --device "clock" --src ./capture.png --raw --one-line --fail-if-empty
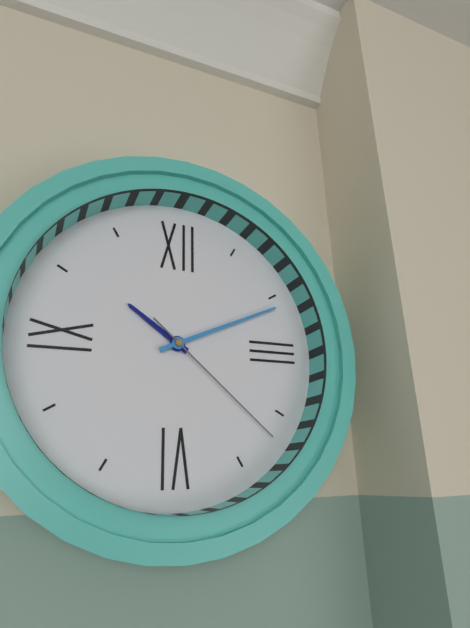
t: 10:11:22
